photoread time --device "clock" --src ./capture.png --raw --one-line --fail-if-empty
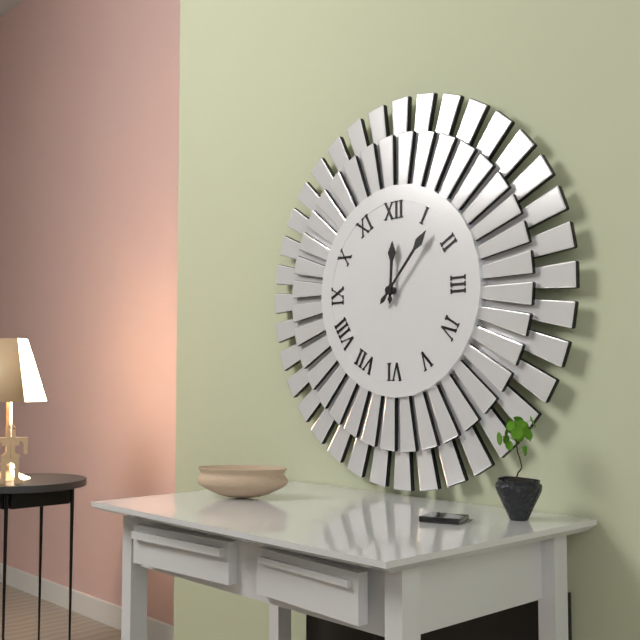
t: 12:07
